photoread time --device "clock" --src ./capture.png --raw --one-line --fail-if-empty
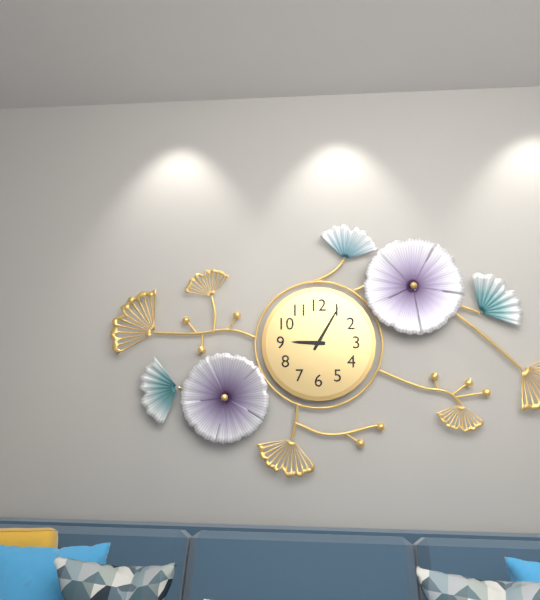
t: 9:05
